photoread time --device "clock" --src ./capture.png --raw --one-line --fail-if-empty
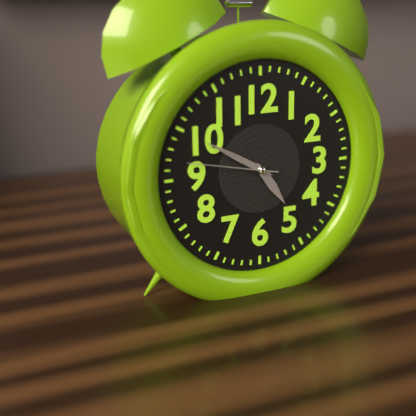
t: 4:50:47
